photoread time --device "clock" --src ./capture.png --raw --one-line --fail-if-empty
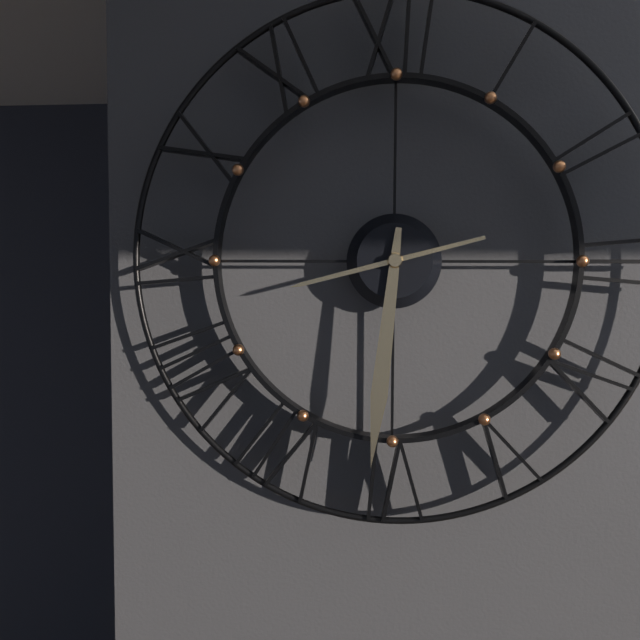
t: 8:31
